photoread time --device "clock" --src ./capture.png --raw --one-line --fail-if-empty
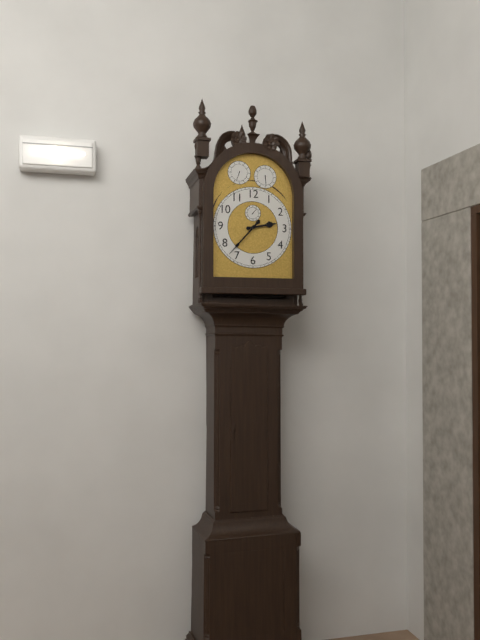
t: 2:37
